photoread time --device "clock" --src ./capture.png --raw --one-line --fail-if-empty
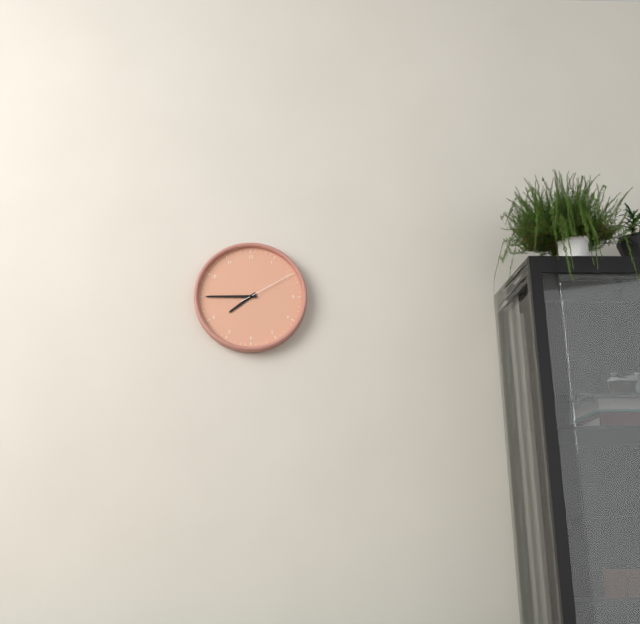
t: 7:45:10
